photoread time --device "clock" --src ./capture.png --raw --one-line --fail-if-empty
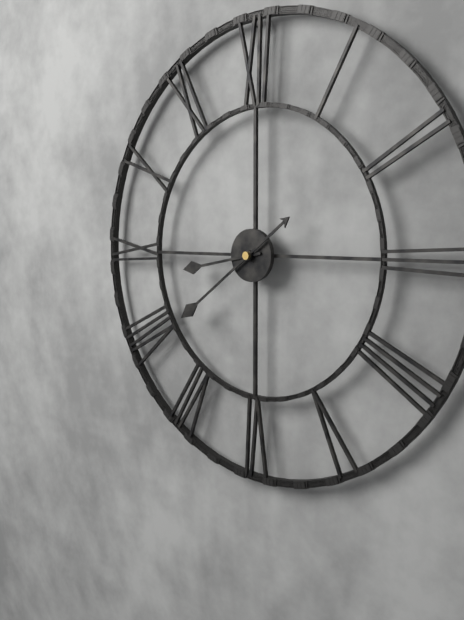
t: 8:39
